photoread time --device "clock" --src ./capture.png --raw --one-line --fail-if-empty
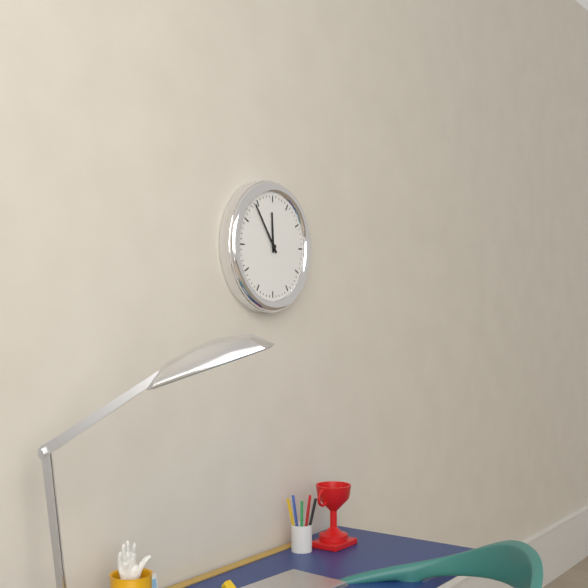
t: 11:54
